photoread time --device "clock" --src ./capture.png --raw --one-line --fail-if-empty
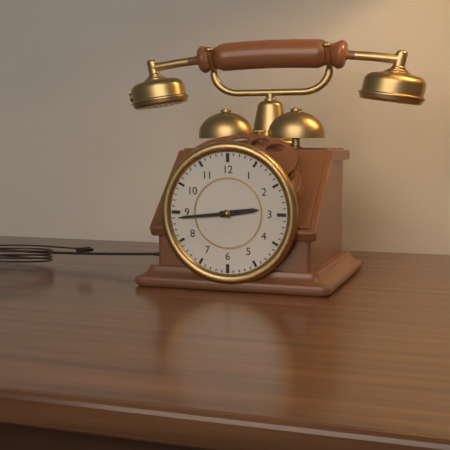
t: 2:44
